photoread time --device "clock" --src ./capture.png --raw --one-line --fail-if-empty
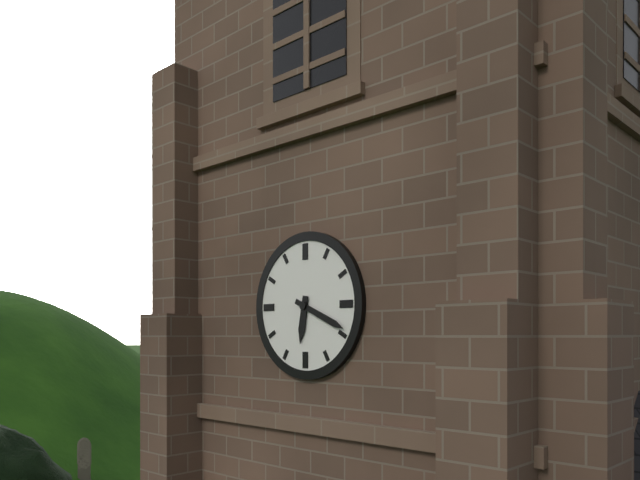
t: 6:19
